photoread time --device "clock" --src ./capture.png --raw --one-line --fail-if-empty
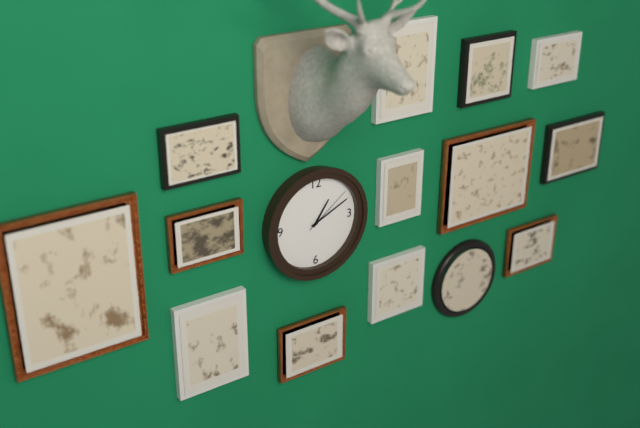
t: 1:11:09
